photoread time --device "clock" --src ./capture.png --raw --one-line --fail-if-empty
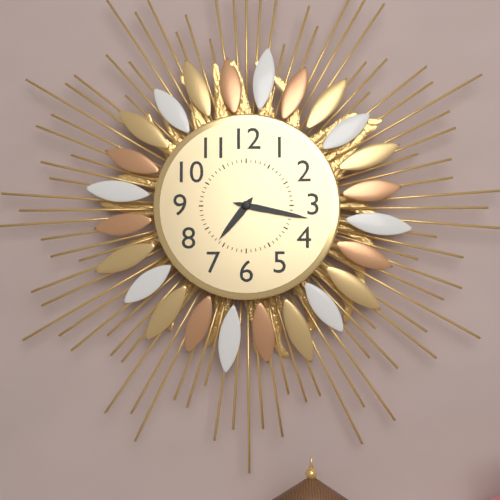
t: 7:17
